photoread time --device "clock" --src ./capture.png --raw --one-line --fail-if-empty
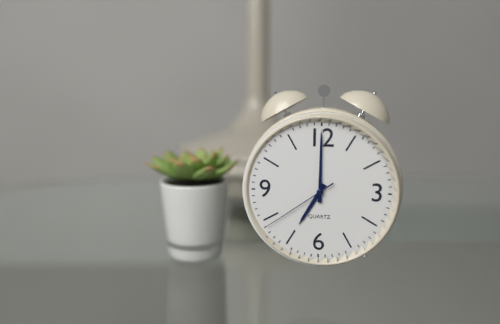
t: 7:00:39
